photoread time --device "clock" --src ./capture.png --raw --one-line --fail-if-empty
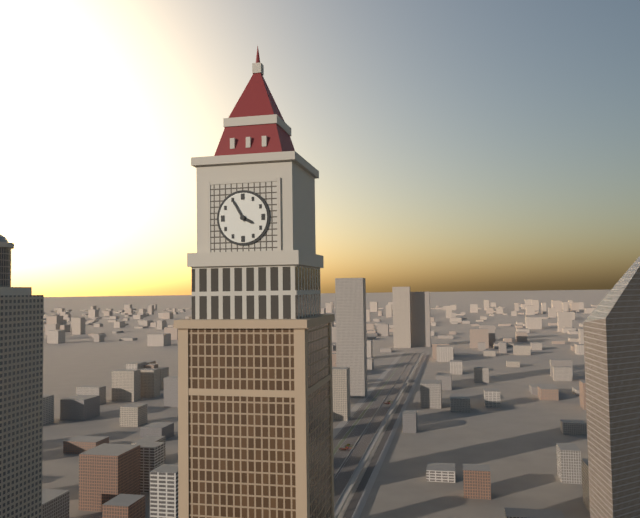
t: 3:55
